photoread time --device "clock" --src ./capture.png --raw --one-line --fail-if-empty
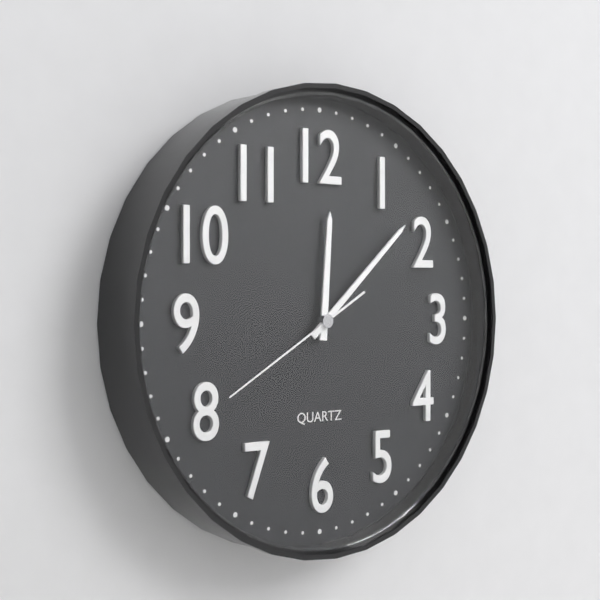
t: 12:08:40
